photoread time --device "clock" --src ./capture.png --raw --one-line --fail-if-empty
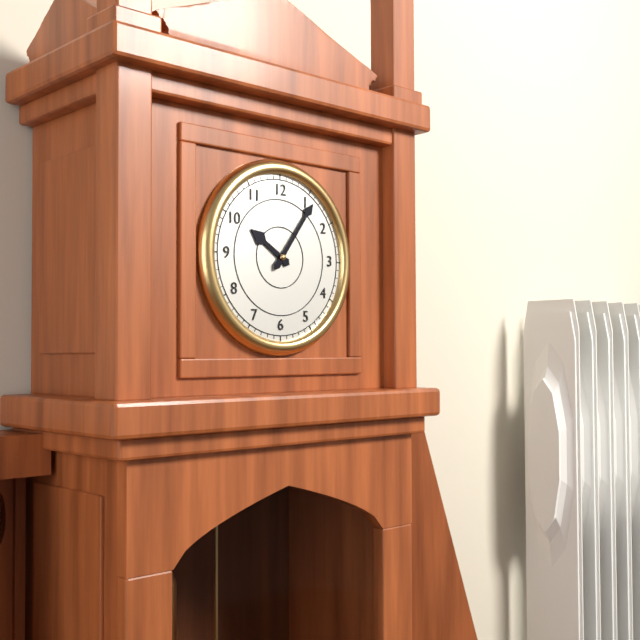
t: 10:06
